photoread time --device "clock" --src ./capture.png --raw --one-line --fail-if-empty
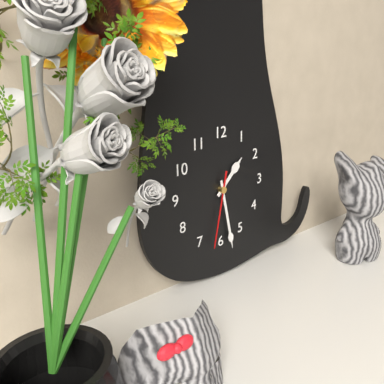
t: 1:28:32
